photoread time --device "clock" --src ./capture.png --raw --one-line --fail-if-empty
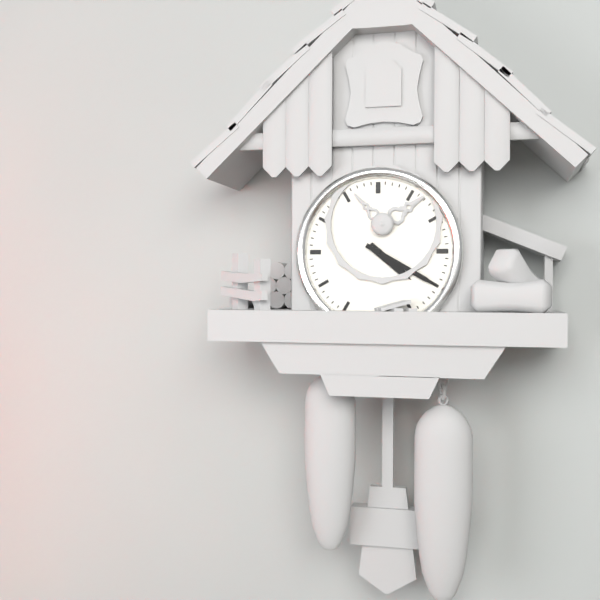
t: 4:20
